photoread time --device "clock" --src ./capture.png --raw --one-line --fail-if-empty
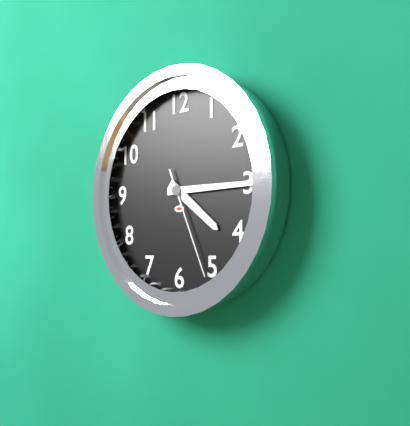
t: 4:15:26
